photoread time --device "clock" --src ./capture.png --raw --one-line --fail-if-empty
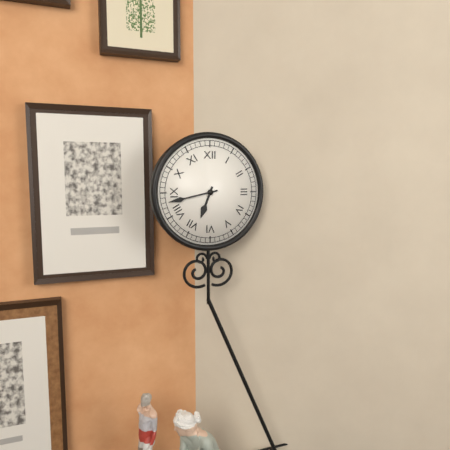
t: 6:43
